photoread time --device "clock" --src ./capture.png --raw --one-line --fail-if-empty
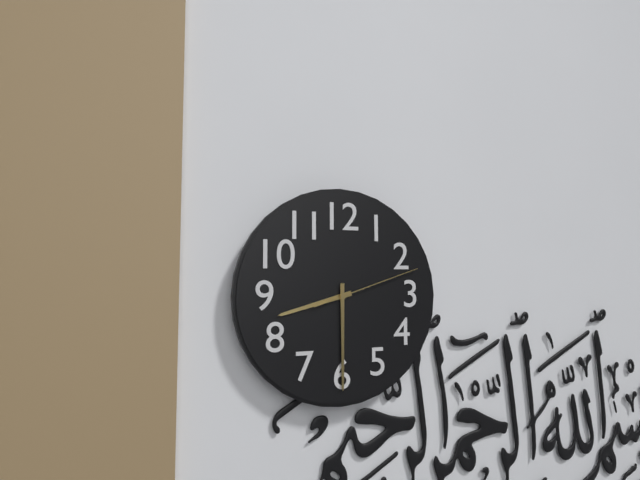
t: 8:30:12
